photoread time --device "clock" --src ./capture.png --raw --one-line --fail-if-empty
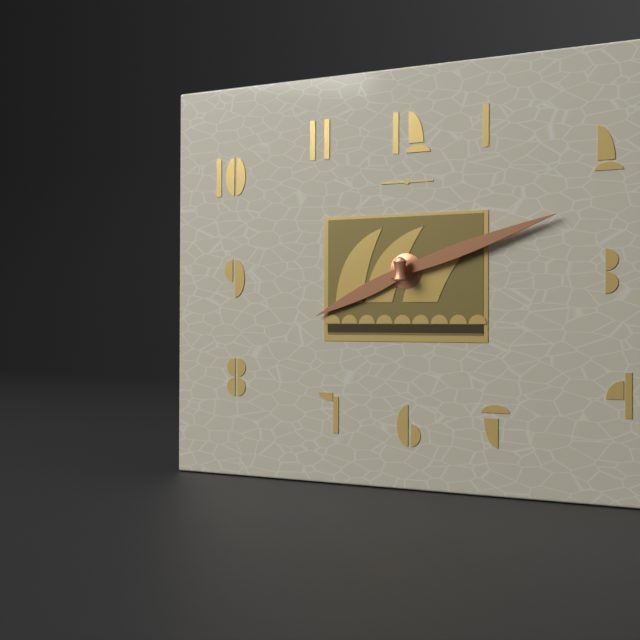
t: 8:12
